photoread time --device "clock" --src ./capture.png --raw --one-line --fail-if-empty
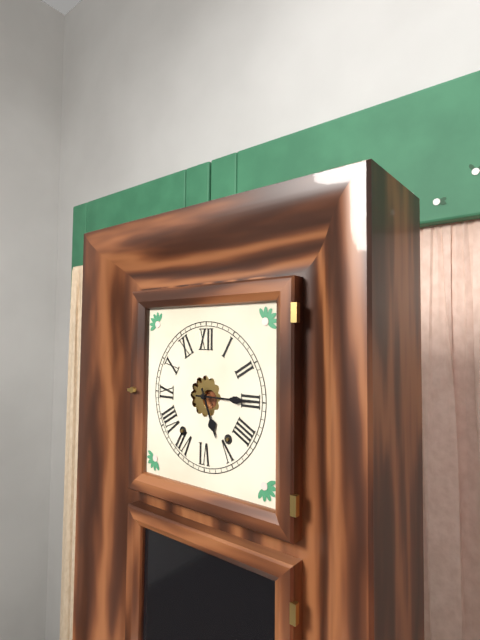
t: 5:15
